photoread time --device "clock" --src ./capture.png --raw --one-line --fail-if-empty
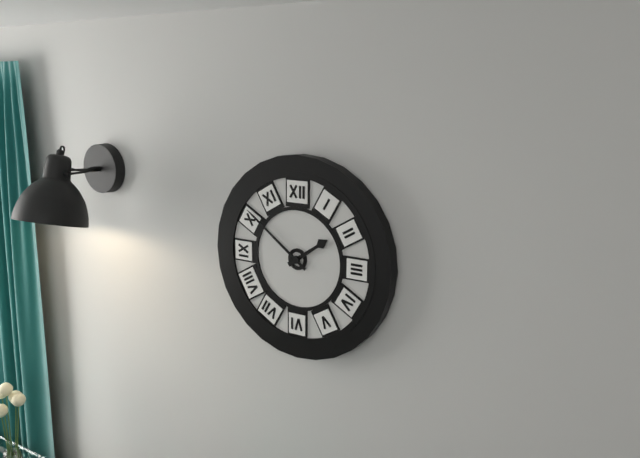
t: 1:51
